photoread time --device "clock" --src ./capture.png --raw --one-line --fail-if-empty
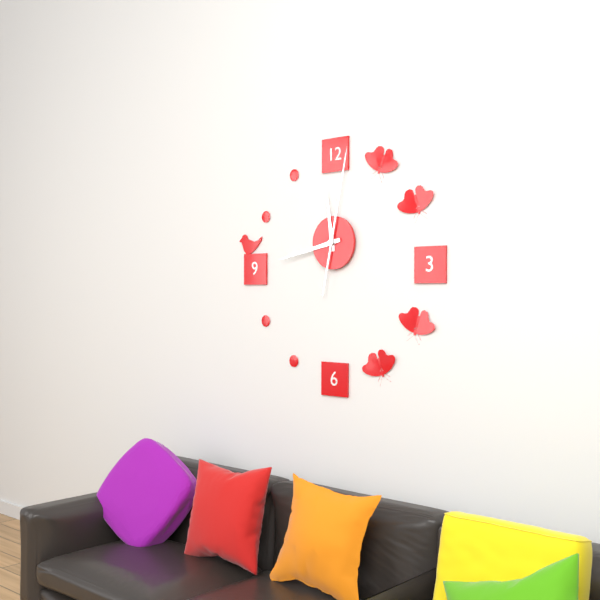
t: 11:43:02
